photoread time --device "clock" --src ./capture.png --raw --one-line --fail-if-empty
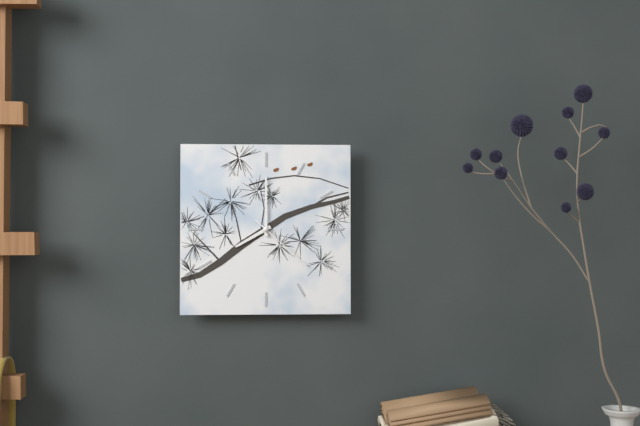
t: 8:00:22
